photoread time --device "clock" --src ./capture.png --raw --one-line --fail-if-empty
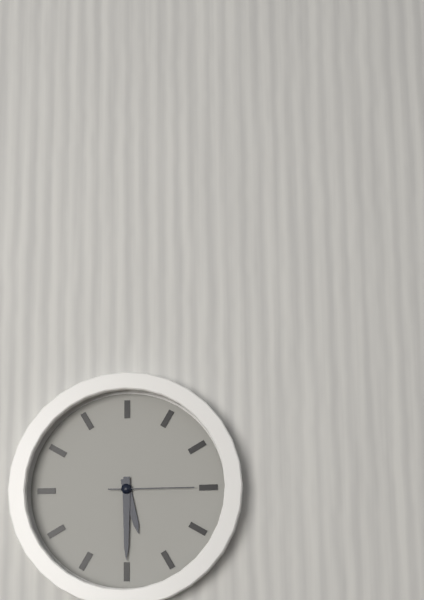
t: 5:30:15
